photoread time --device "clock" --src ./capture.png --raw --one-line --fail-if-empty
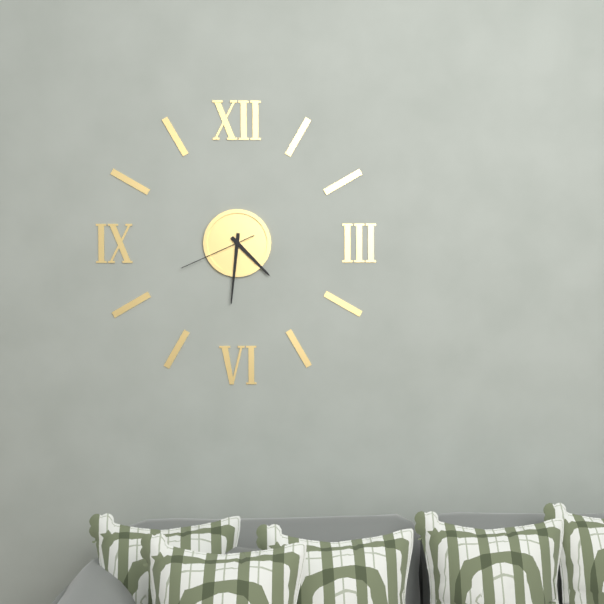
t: 4:31:41
